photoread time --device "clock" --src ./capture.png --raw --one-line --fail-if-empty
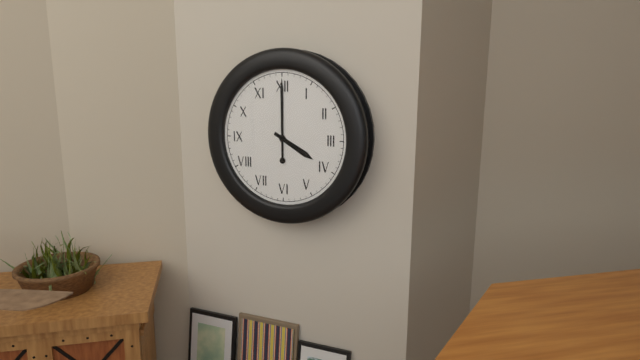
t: 4:00
